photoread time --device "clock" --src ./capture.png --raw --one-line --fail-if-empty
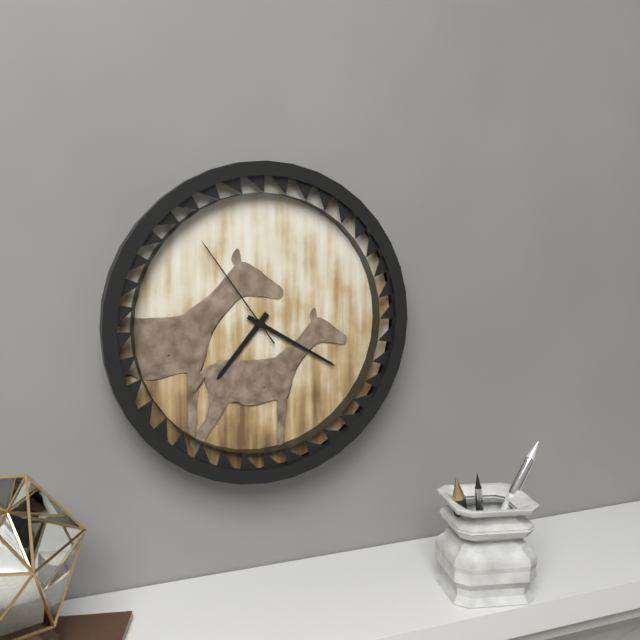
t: 7:20:54
